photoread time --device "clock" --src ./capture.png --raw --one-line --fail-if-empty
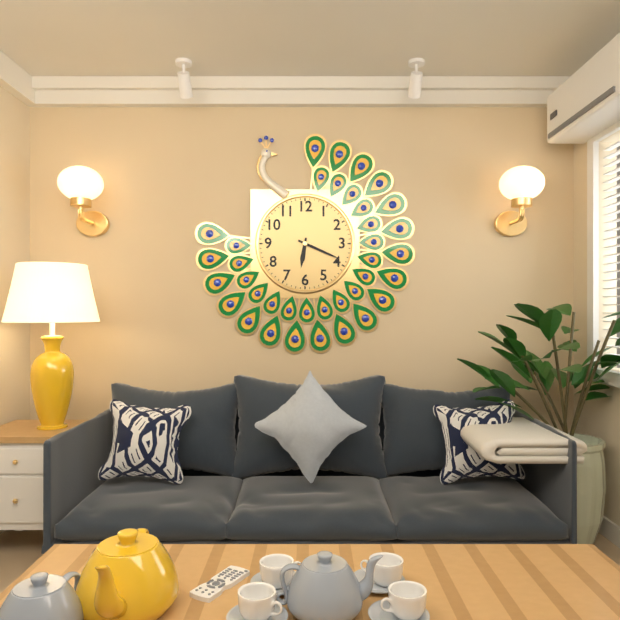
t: 6:19
